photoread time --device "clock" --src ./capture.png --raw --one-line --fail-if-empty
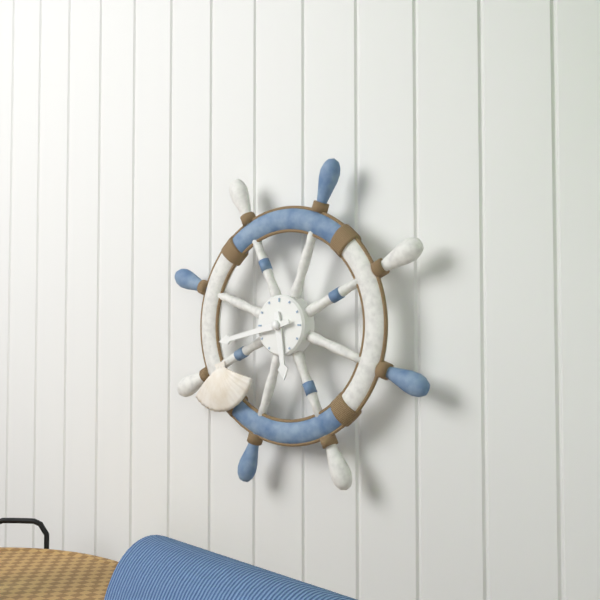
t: 5:43
